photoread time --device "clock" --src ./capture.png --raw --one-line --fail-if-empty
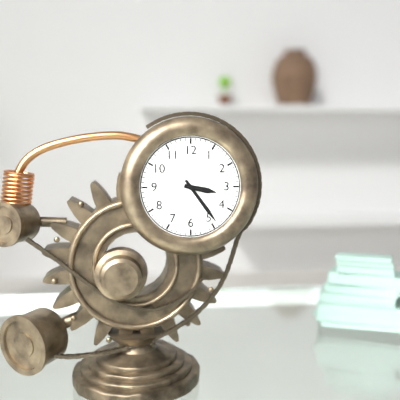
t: 3:24
